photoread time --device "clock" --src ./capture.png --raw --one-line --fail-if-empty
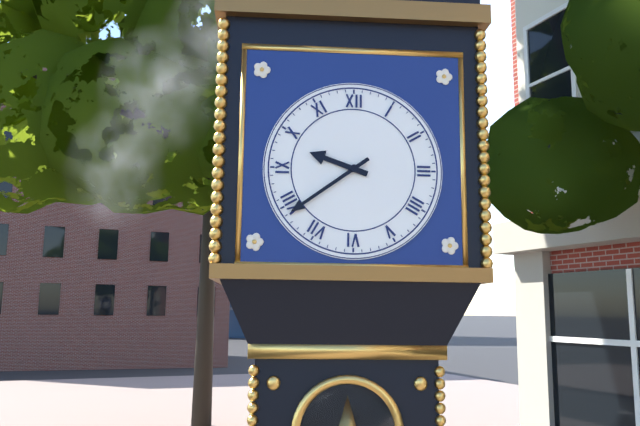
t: 9:39
